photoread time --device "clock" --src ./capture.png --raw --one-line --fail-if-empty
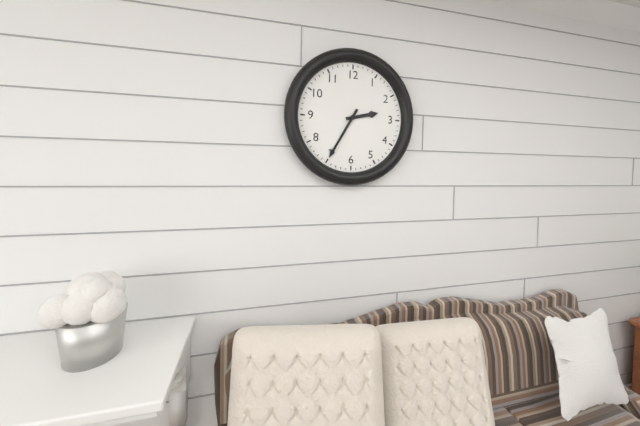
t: 2:35
